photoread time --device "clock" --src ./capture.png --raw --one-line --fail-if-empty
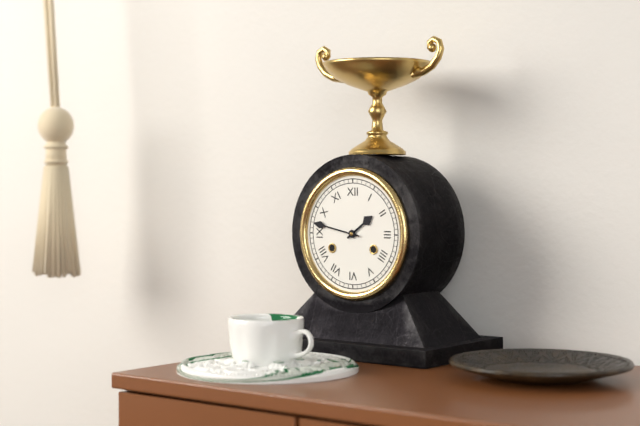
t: 1:47
